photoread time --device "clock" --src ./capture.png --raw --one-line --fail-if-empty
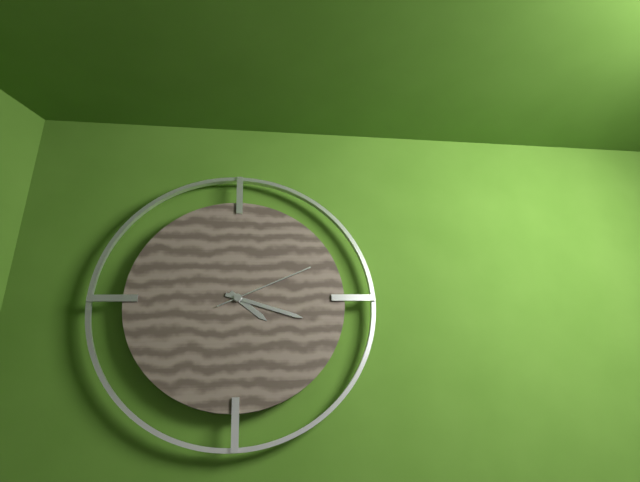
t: 4:18:11
